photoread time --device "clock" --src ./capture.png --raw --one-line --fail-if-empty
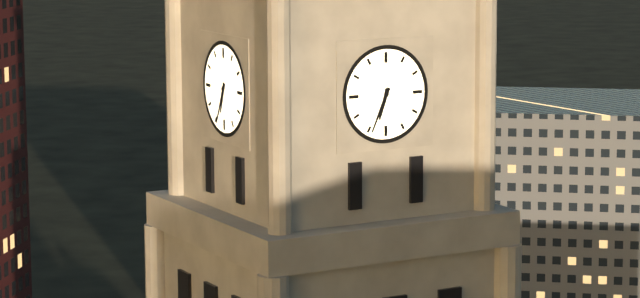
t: 6:34
